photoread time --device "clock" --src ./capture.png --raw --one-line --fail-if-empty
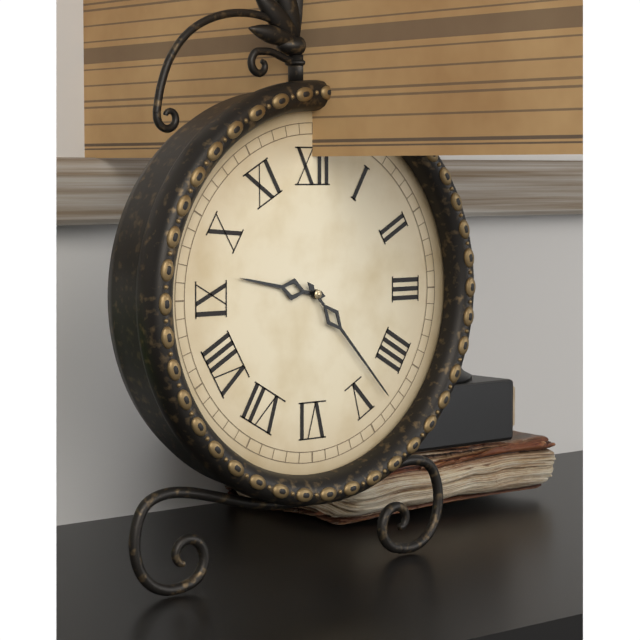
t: 9:23
